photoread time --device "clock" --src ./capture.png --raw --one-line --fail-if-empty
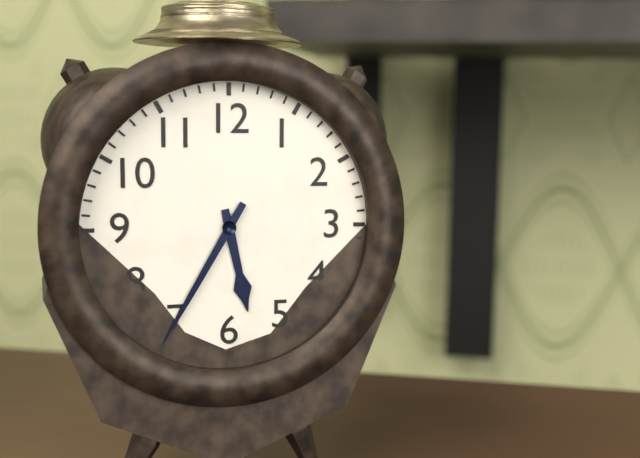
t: 5:35
